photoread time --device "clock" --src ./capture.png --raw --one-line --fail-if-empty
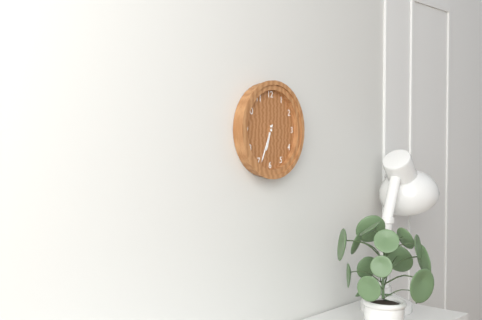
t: 6:34
